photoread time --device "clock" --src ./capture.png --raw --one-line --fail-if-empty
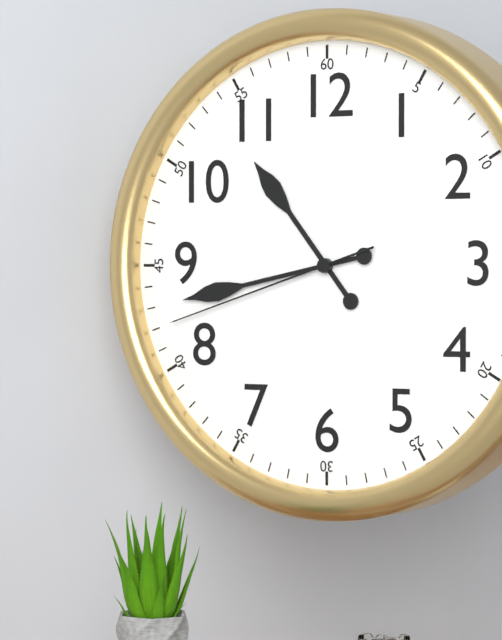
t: 10:43:42
